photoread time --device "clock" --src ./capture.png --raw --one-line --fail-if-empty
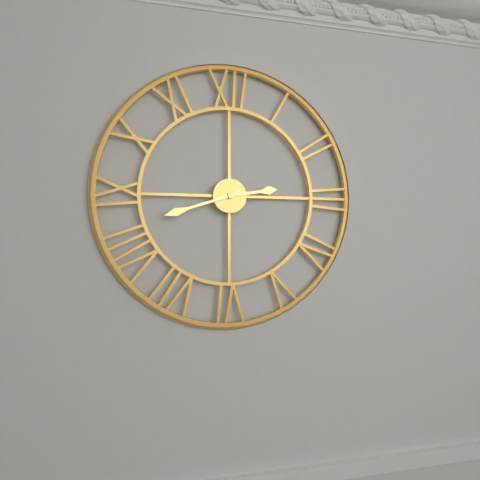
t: 2:42
